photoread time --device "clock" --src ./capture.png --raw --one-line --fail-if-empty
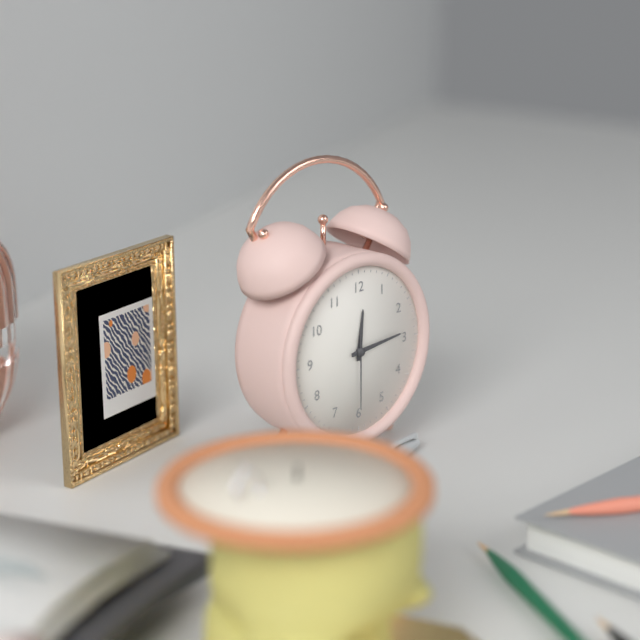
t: 12:14:30
